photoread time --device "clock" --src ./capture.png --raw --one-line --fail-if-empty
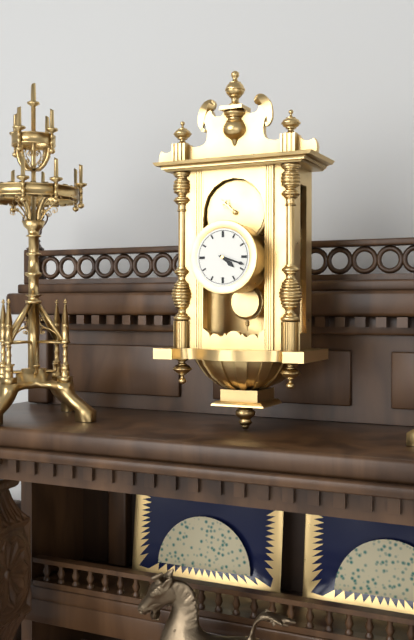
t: 4:18
